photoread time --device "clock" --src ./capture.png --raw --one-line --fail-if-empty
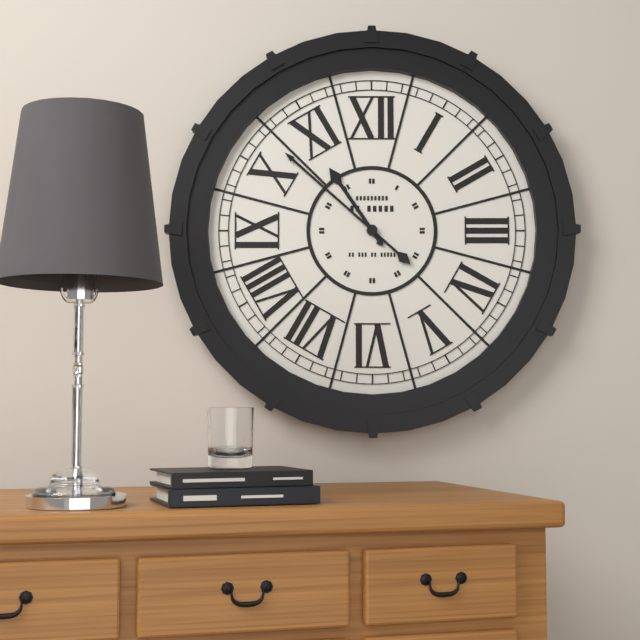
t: 10:52
